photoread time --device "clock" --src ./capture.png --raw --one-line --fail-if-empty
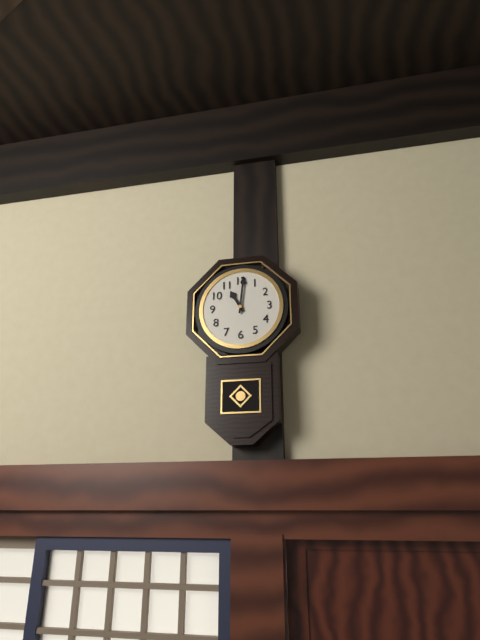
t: 11:01
